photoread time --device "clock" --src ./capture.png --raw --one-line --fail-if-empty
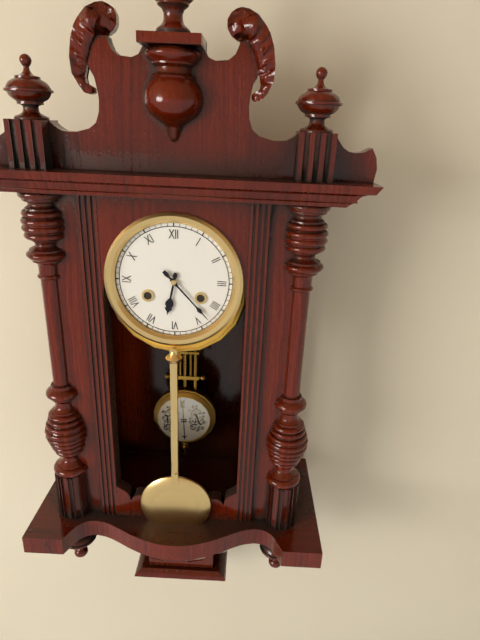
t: 6:23
